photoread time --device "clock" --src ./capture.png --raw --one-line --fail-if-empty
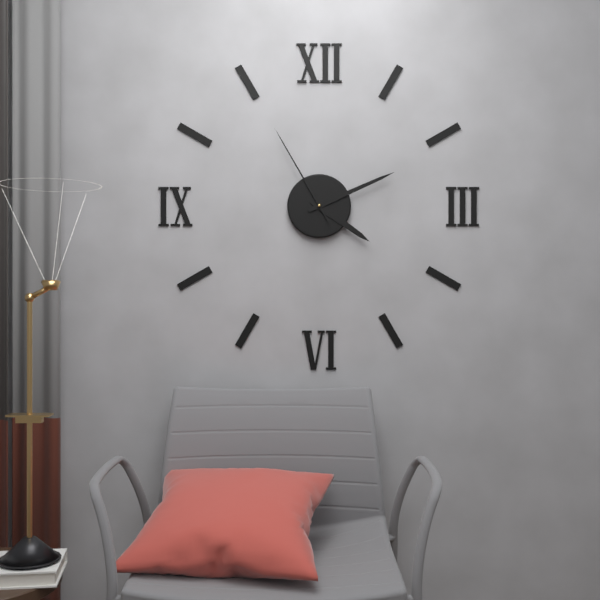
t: 4:11:55
